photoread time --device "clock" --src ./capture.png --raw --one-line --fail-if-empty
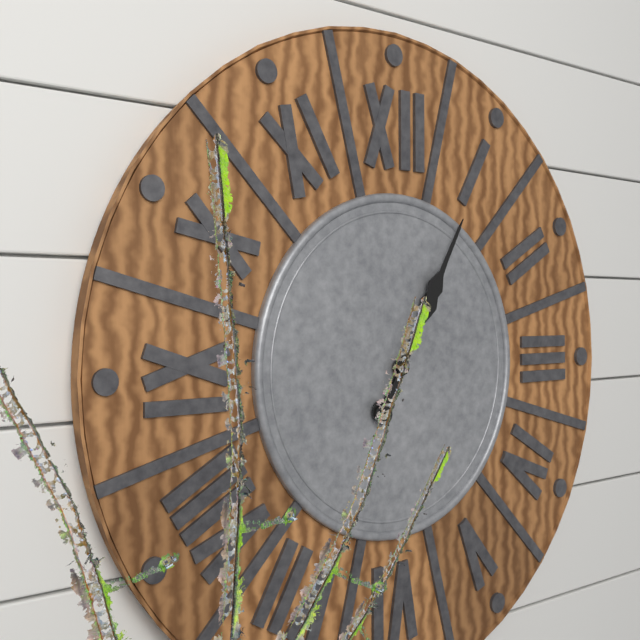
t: 1:05
